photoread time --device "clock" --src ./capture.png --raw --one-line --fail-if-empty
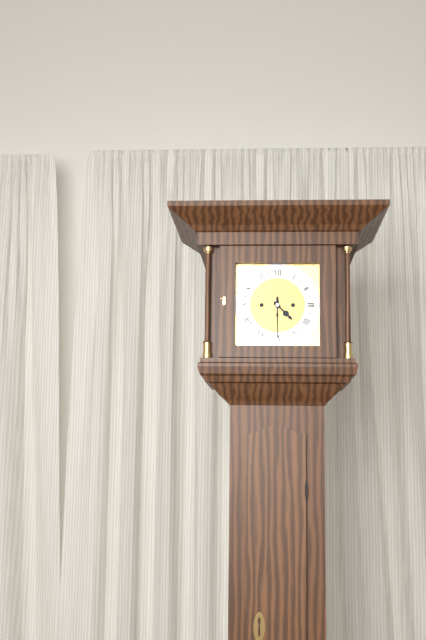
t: 4:30
